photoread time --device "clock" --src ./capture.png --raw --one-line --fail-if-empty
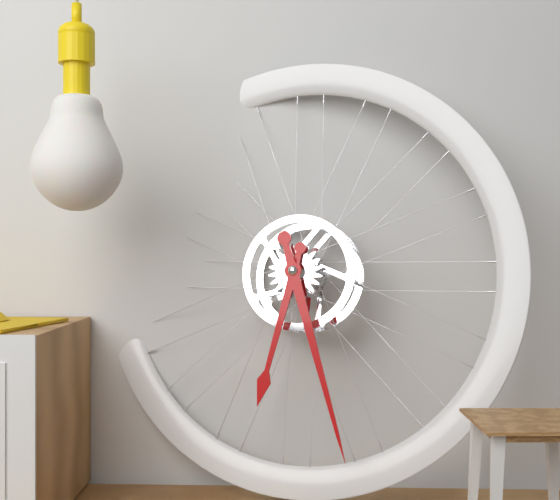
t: 6:27
